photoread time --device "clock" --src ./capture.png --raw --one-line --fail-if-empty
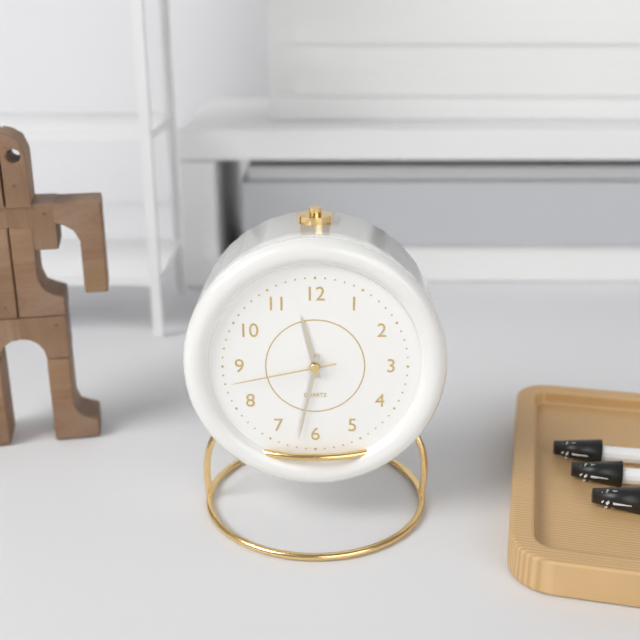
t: 11:32:43
